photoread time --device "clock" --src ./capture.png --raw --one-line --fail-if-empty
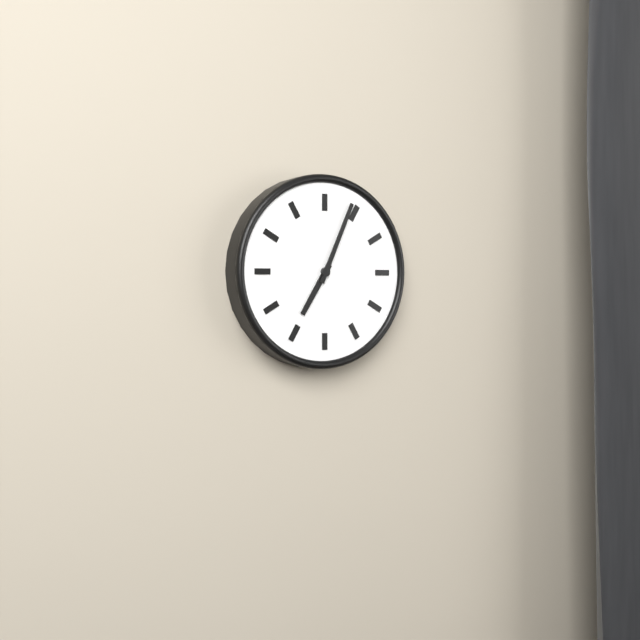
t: 7:04
